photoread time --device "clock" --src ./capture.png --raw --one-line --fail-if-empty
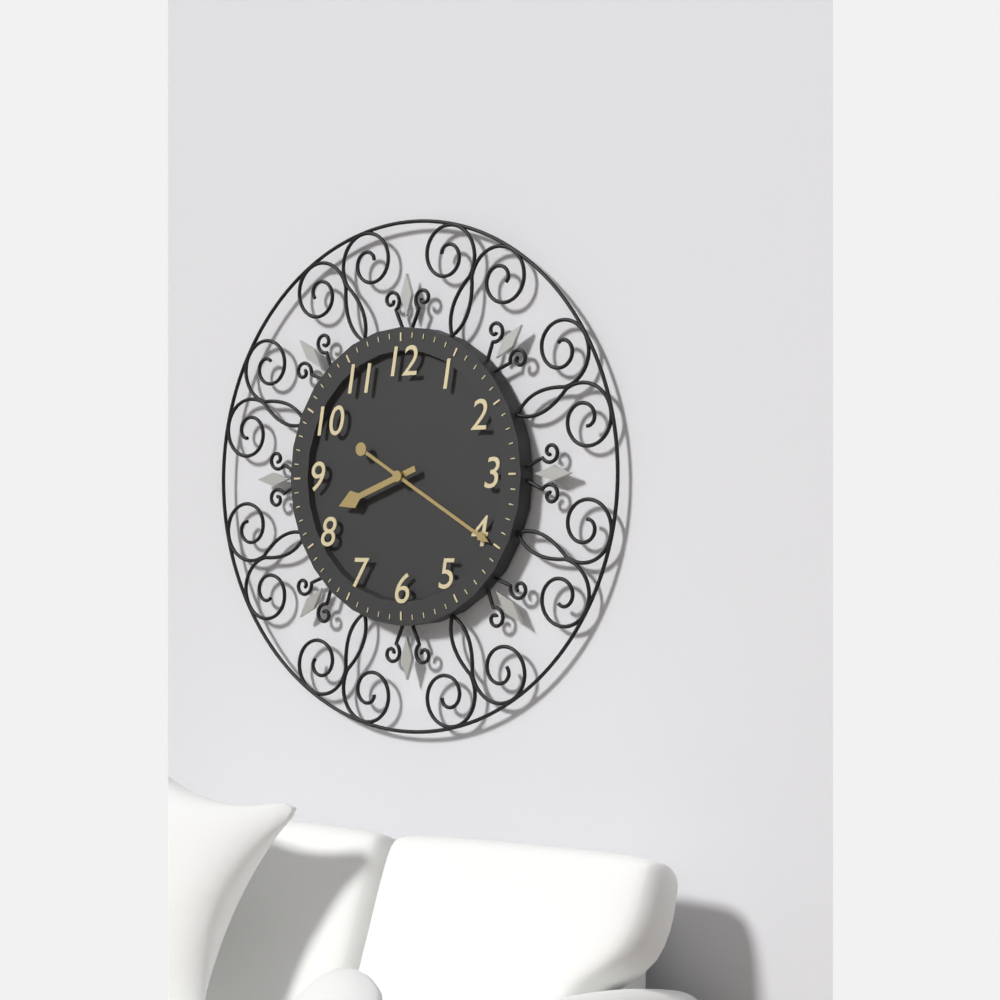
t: 8:20
